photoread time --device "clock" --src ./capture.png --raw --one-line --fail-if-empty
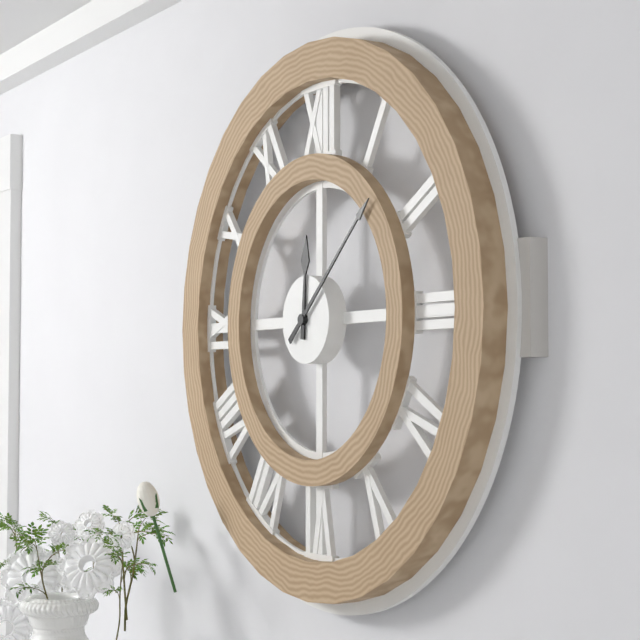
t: 12:08
